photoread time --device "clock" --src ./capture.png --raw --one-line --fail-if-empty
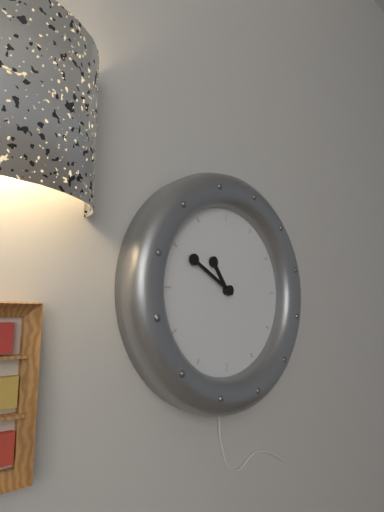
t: 10:50
